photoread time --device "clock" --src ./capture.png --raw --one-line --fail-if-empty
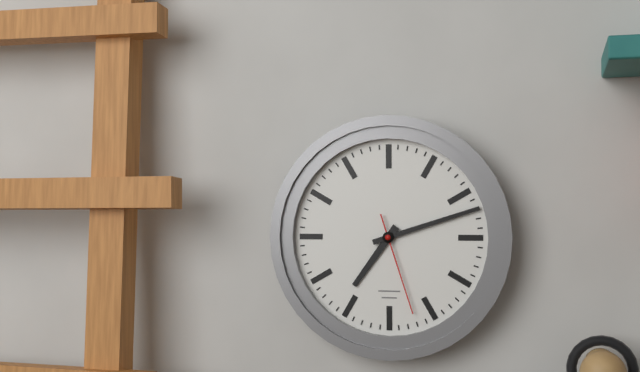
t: 7:12:27
